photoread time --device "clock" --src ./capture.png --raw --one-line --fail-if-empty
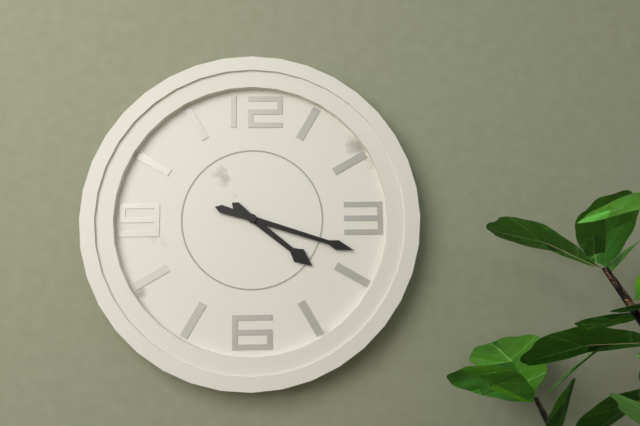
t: 4:18
